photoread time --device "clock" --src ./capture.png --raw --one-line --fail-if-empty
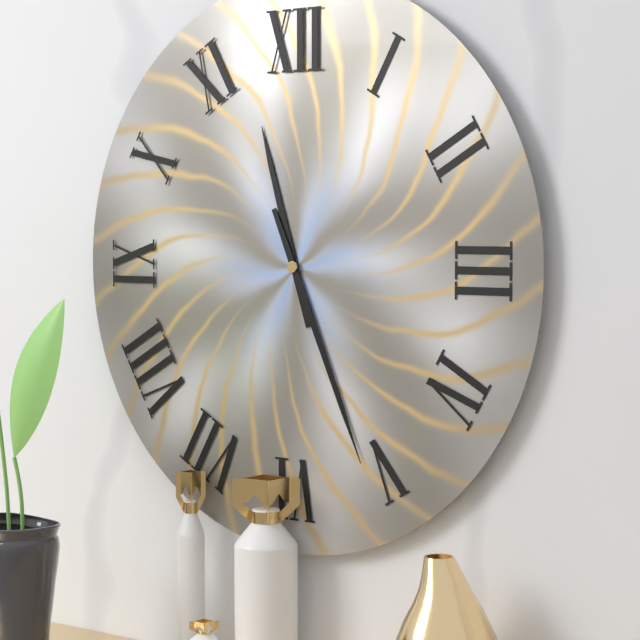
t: 11:26
